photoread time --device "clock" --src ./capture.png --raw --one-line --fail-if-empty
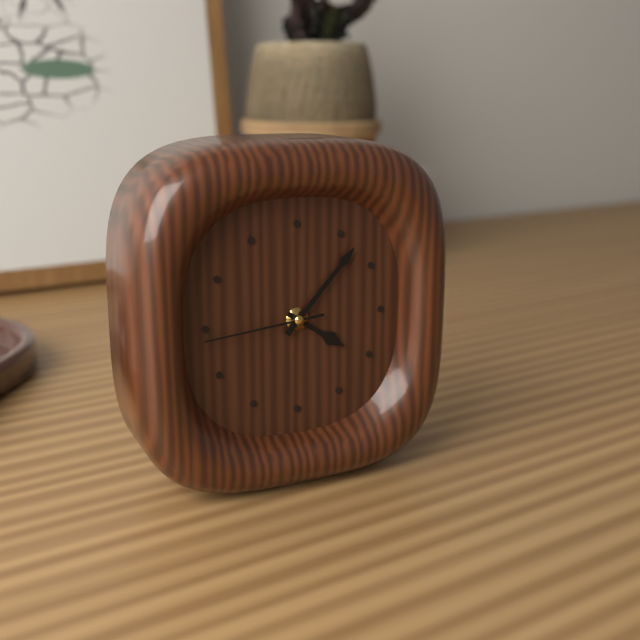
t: 4:07:44
